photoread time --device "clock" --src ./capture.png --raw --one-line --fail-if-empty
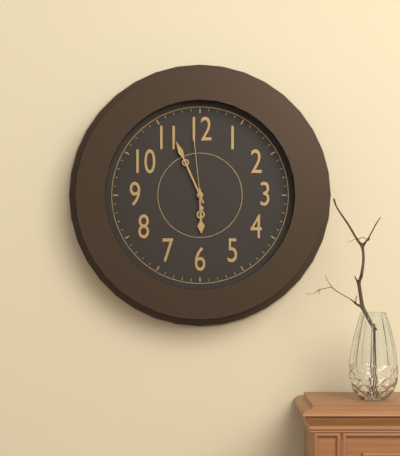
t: 5:56:59
